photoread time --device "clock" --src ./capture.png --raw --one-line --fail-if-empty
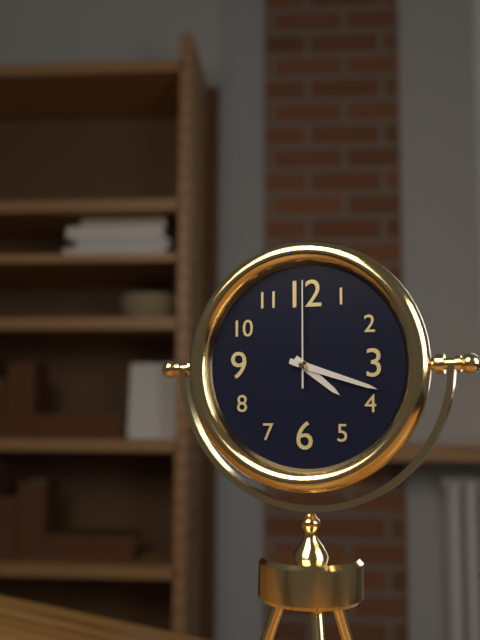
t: 4:18:00
